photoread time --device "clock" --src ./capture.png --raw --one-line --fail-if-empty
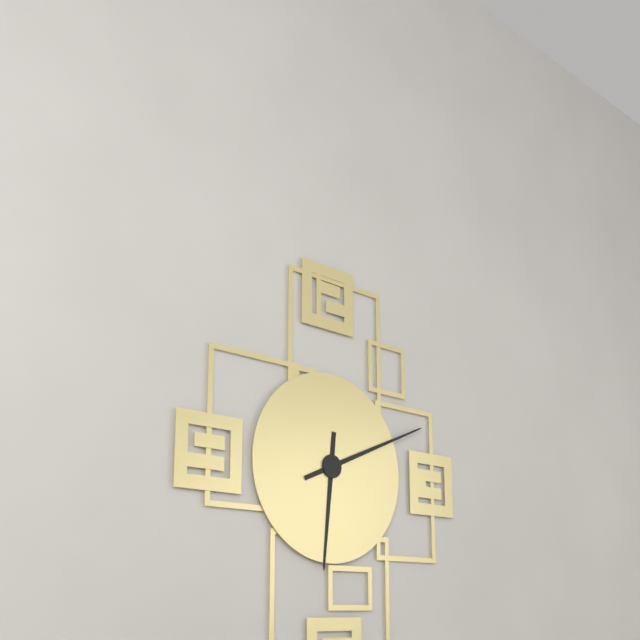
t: 6:11
